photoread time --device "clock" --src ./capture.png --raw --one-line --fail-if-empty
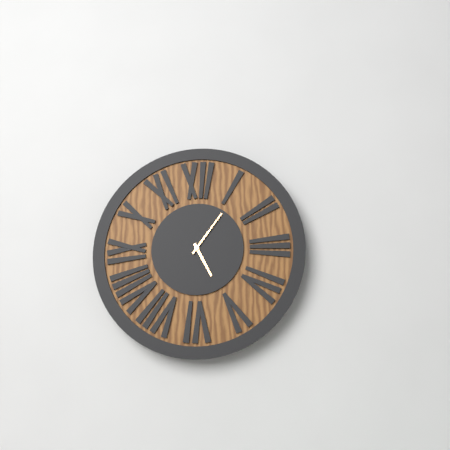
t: 5:06
